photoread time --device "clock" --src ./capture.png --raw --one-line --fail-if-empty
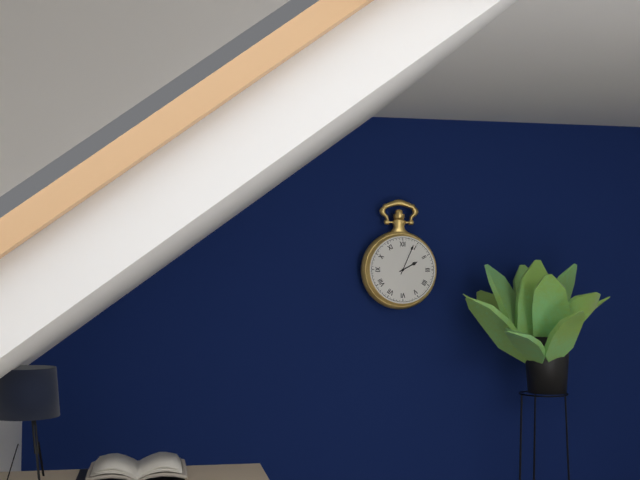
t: 2:04
